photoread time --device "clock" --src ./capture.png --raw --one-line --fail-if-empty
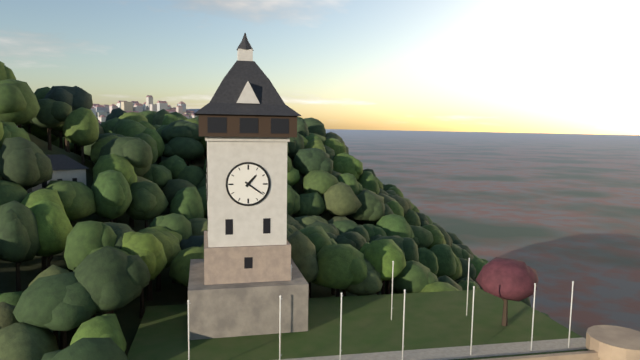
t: 1:21
